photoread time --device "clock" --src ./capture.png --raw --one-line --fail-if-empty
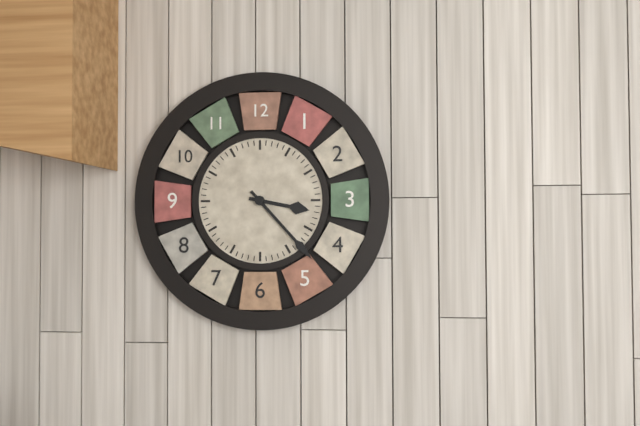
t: 3:23
